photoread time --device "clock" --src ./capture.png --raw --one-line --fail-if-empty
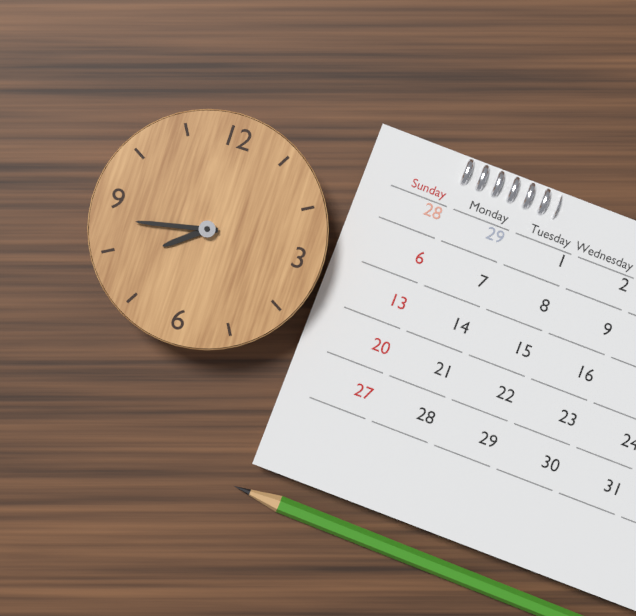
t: 7:43
